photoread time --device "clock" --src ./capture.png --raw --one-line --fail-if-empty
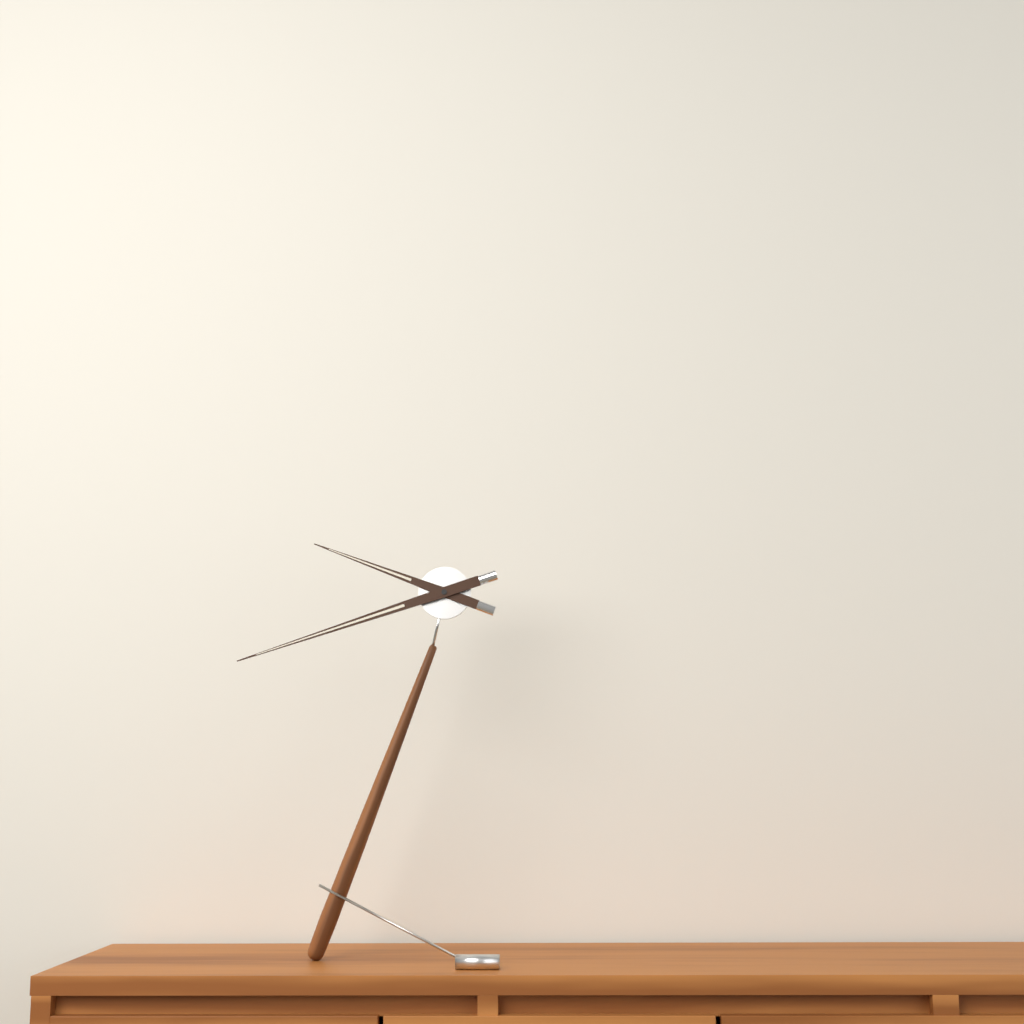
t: 9:42
